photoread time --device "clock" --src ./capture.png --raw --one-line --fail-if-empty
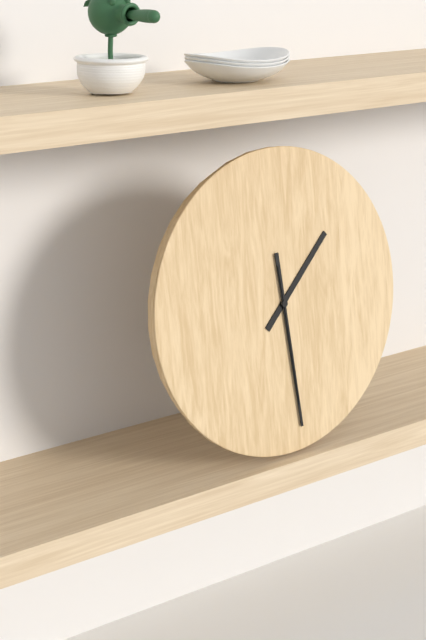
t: 1:29:29
